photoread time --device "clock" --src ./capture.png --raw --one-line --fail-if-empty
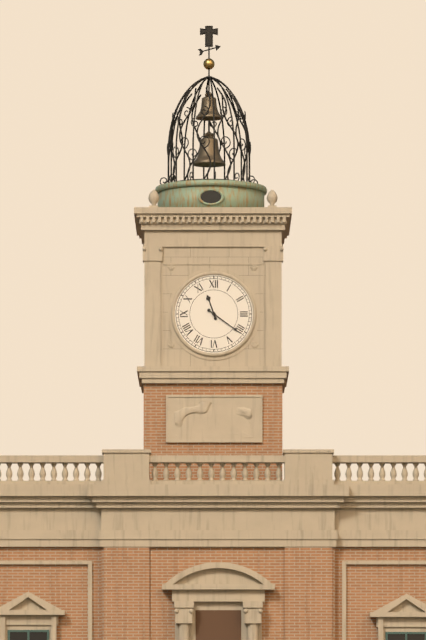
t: 11:21
